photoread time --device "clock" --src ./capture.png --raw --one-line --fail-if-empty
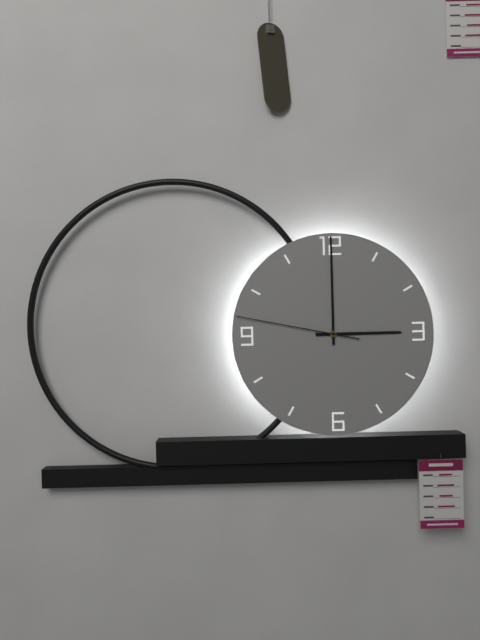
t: 3:00:47
